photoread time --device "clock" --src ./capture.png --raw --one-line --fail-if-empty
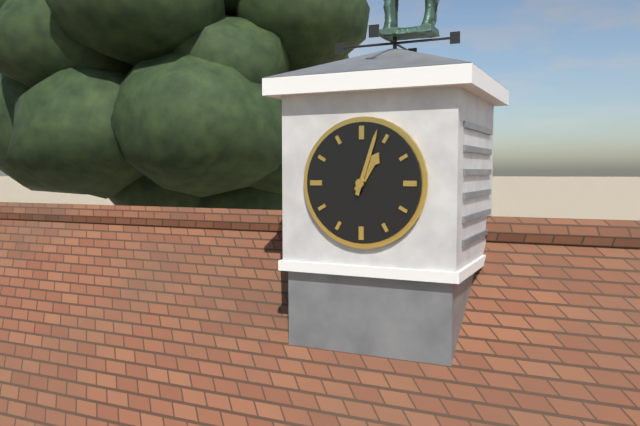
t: 1:03
